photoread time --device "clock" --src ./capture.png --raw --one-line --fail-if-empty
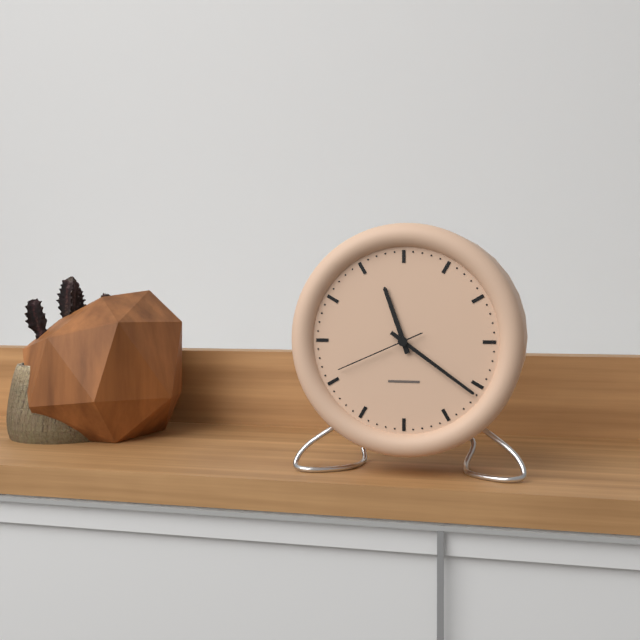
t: 11:21:41
